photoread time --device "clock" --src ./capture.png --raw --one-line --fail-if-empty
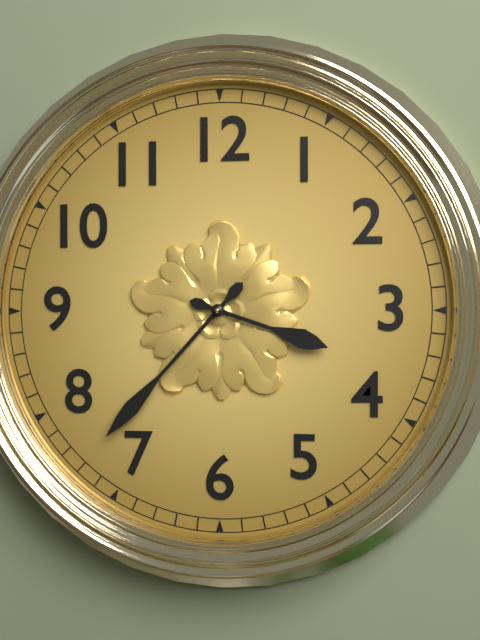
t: 3:37
